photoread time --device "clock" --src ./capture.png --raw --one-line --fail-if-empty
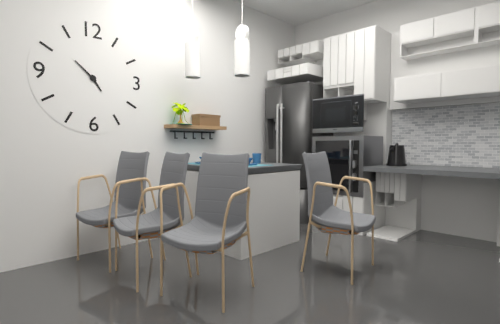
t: 4:52
